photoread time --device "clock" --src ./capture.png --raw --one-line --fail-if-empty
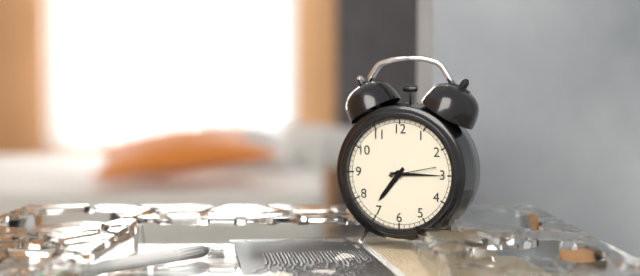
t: 7:15
